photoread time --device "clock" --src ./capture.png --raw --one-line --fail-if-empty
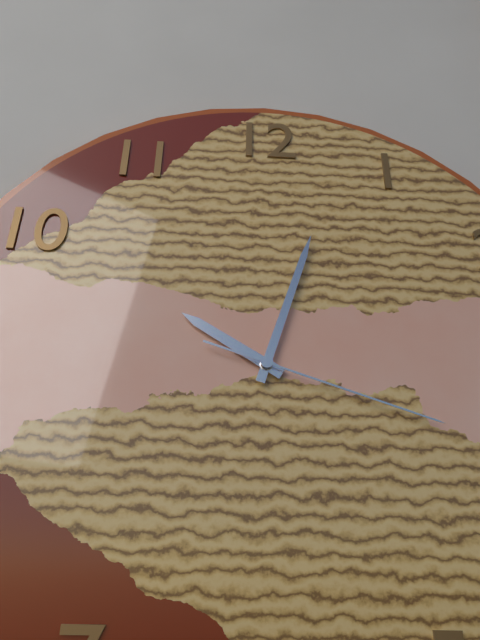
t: 10:03:18
